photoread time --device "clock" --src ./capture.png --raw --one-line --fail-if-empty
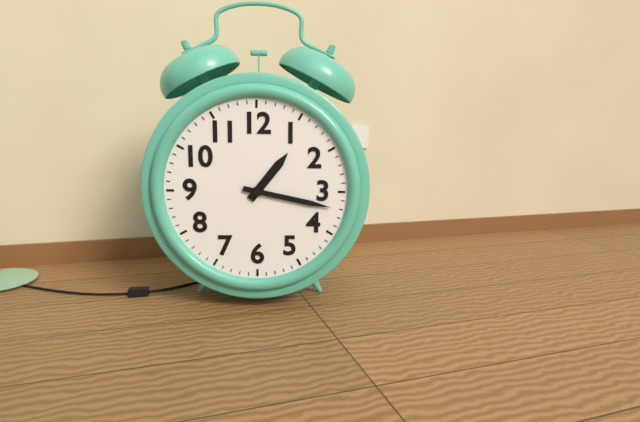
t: 1:17
